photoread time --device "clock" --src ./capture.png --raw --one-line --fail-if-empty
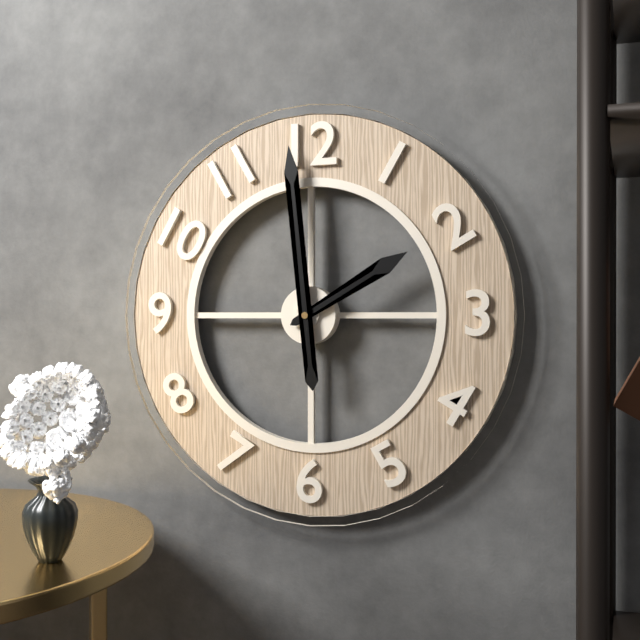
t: 1:59
